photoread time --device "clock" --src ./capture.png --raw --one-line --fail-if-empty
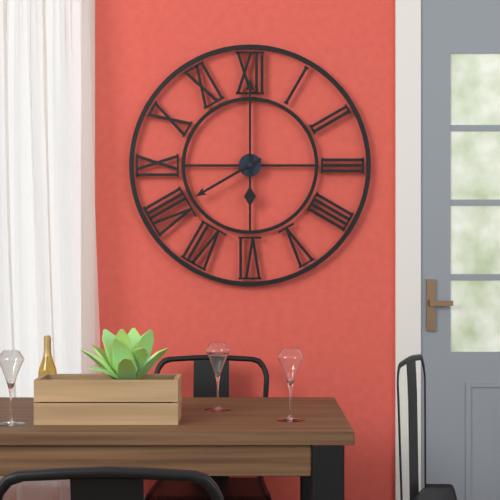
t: 8:00
